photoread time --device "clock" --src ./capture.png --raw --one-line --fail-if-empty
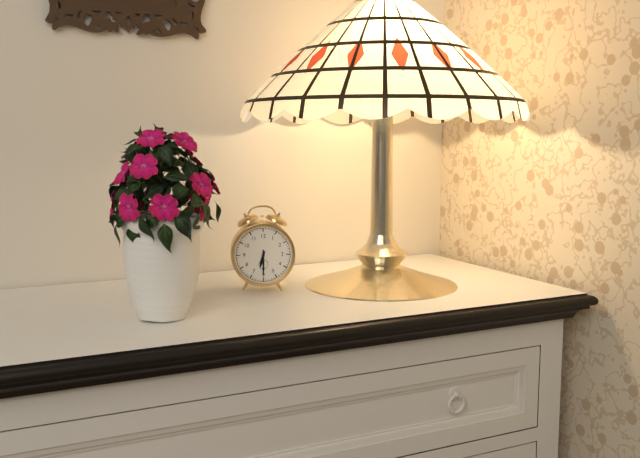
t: 6:30
